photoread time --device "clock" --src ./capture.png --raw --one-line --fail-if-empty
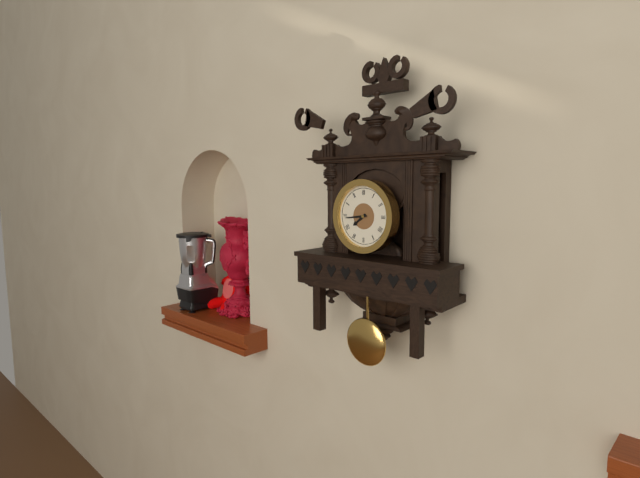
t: 7:44
